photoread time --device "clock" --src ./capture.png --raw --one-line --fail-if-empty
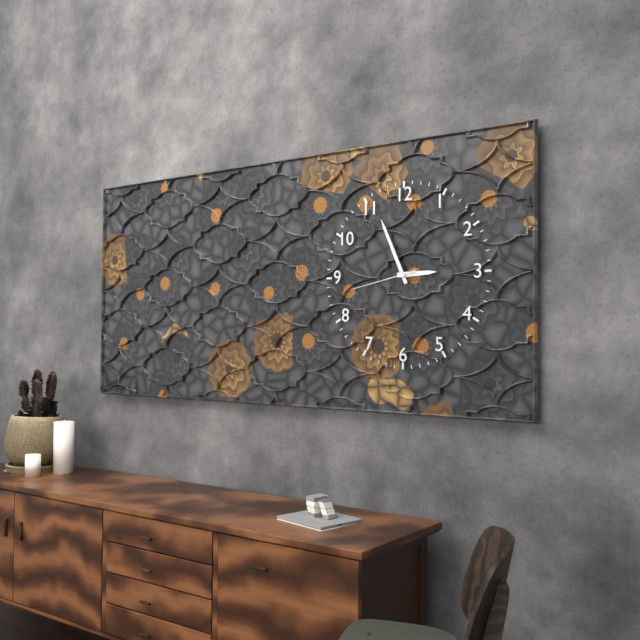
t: 2:56:43
